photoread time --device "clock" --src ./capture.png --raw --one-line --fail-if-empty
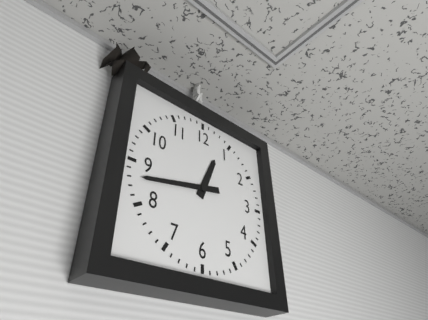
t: 12:43
